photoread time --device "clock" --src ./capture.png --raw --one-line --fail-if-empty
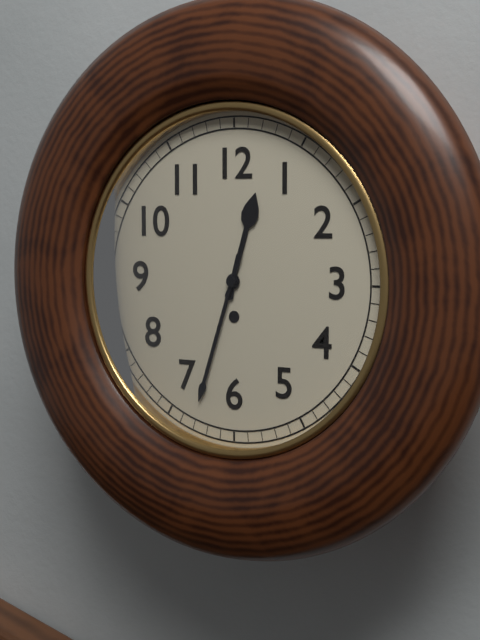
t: 12:33
